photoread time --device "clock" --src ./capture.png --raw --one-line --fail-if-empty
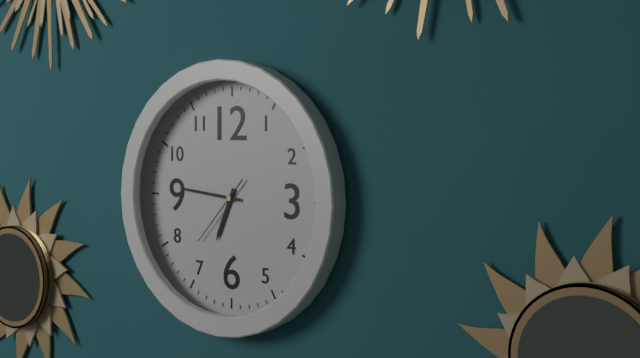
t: 6:46:37
